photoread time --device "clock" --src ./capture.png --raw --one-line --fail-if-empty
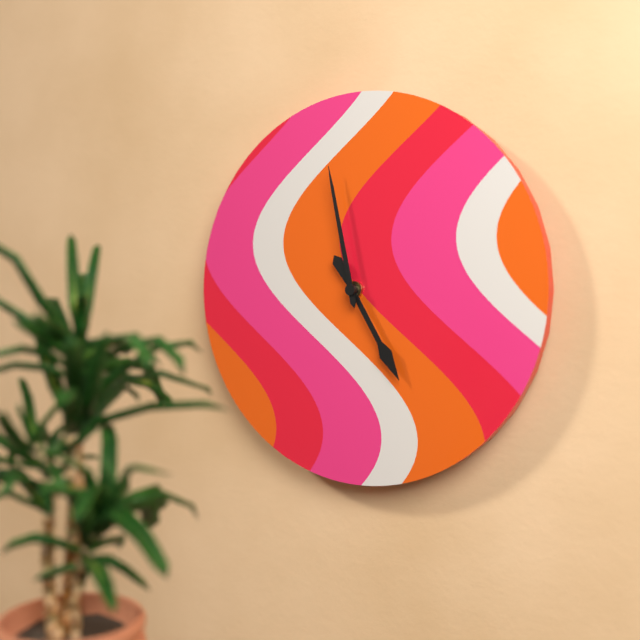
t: 4:58
